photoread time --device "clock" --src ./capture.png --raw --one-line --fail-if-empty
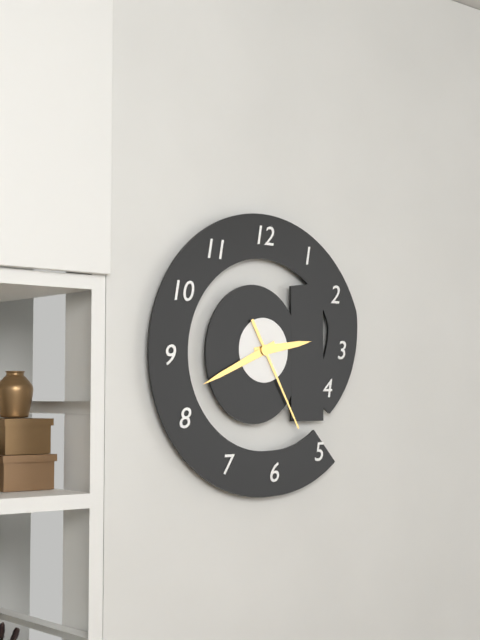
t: 2:41:25
